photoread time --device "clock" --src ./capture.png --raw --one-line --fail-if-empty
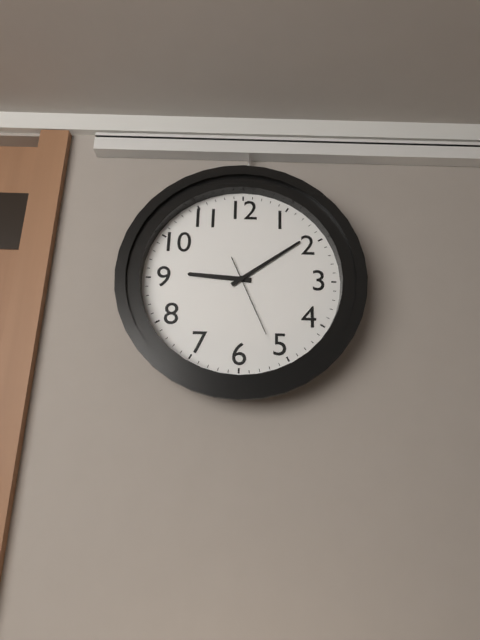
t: 9:09:26
